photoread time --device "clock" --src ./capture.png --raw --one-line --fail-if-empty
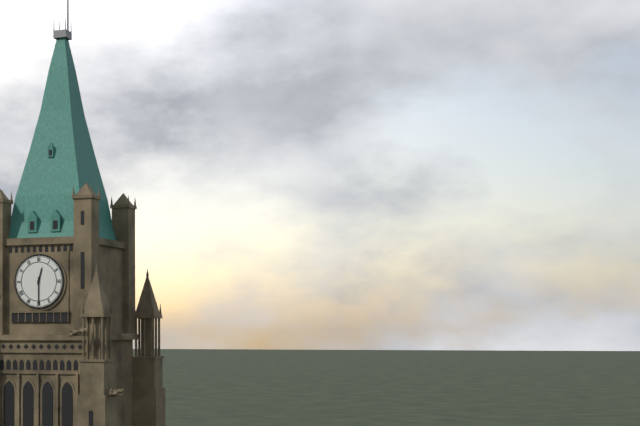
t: 12:30
